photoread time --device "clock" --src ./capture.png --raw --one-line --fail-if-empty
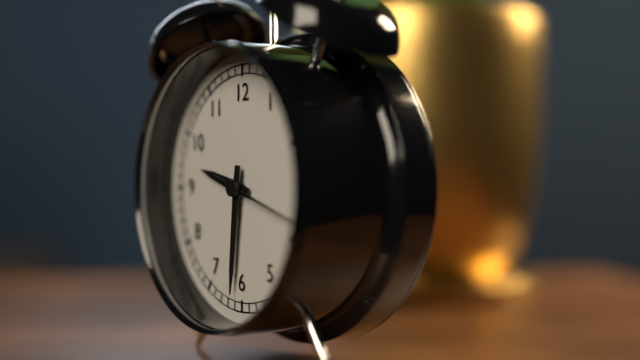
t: 9:31:18
